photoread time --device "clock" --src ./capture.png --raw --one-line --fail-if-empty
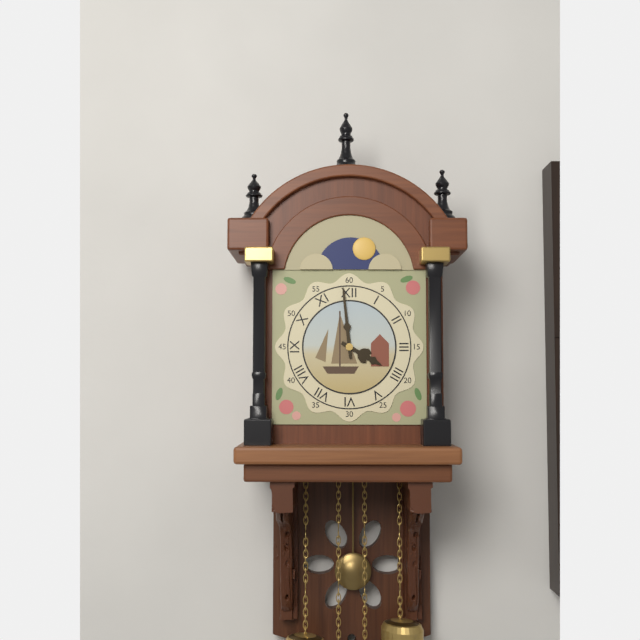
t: 3:59
